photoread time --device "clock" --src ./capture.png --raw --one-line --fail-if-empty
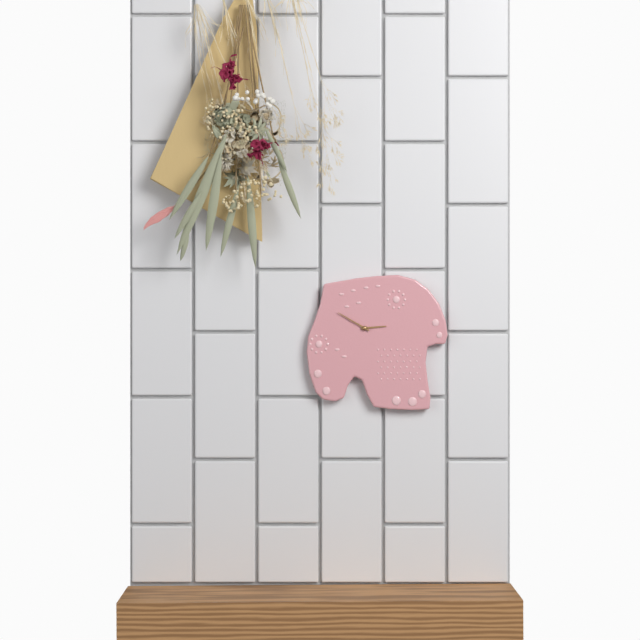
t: 2:50
